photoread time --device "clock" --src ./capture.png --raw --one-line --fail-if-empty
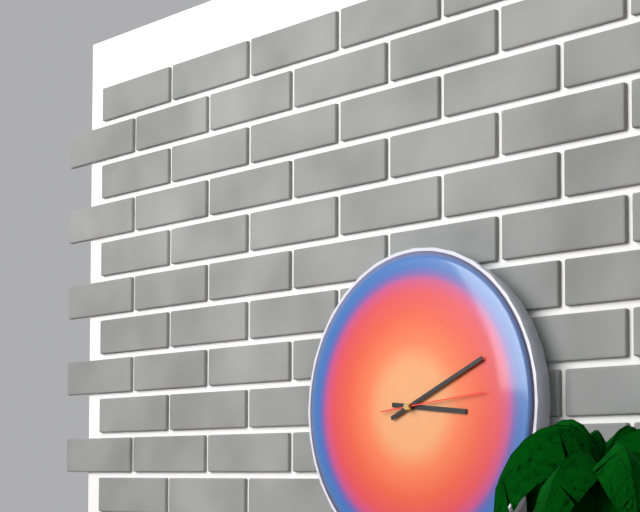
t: 3:11:14
